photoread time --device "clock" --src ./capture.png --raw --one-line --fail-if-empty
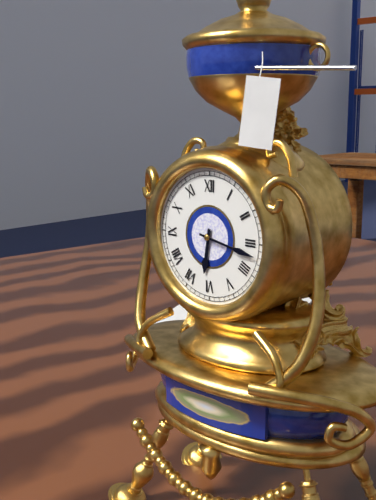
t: 6:17
